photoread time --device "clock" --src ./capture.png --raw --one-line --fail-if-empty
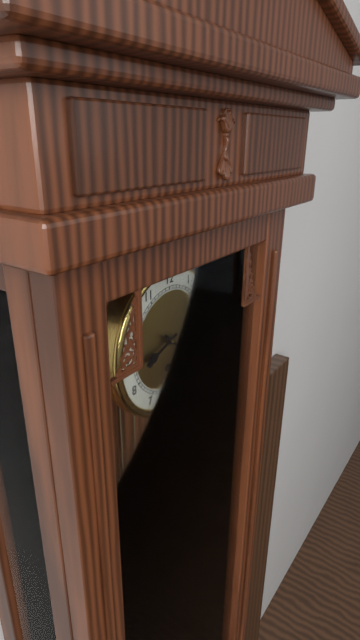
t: 8:22
